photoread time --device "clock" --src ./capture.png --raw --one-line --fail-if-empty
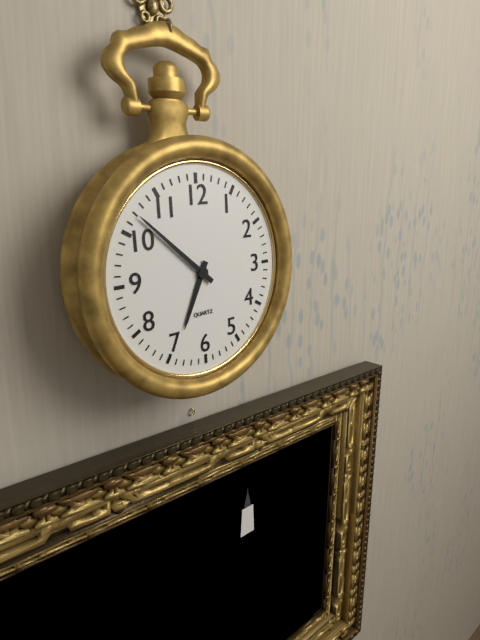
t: 6:52
